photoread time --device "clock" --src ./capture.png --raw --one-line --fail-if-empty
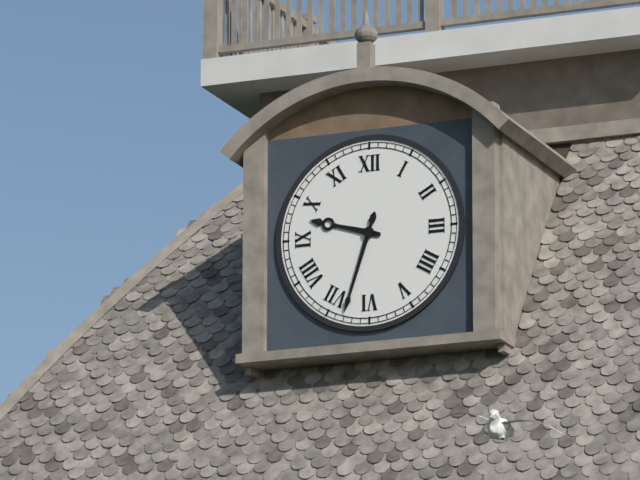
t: 9:33
